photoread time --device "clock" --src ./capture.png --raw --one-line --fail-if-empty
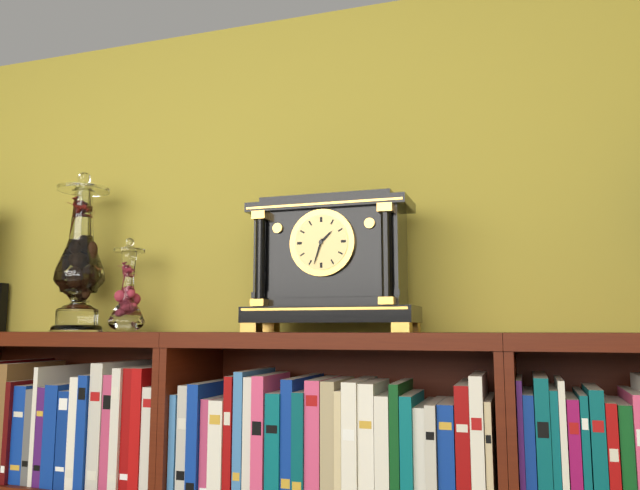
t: 1:33
